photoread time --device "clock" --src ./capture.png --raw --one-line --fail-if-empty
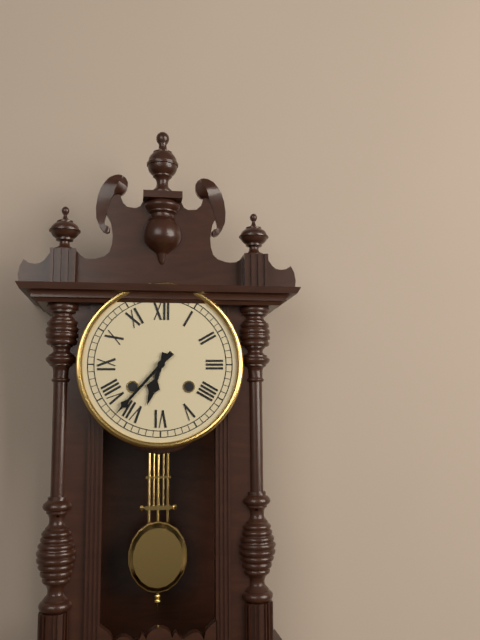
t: 6:37
